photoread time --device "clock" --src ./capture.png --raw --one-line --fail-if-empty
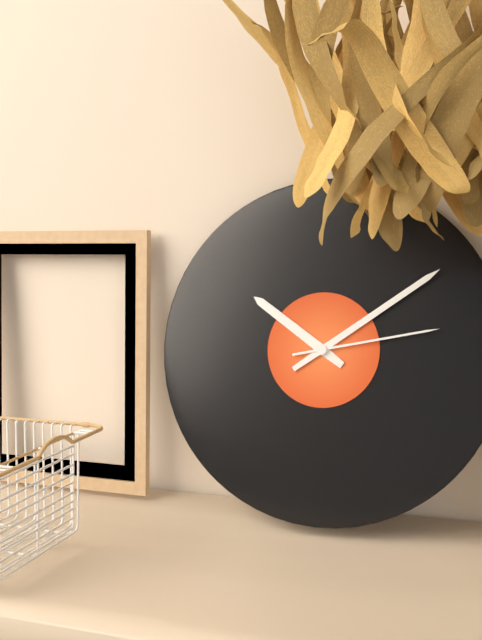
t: 10:09:13
